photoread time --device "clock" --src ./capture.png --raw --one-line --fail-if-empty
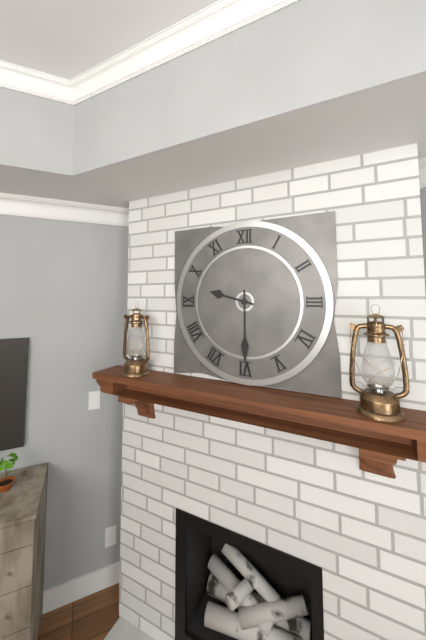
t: 9:30
